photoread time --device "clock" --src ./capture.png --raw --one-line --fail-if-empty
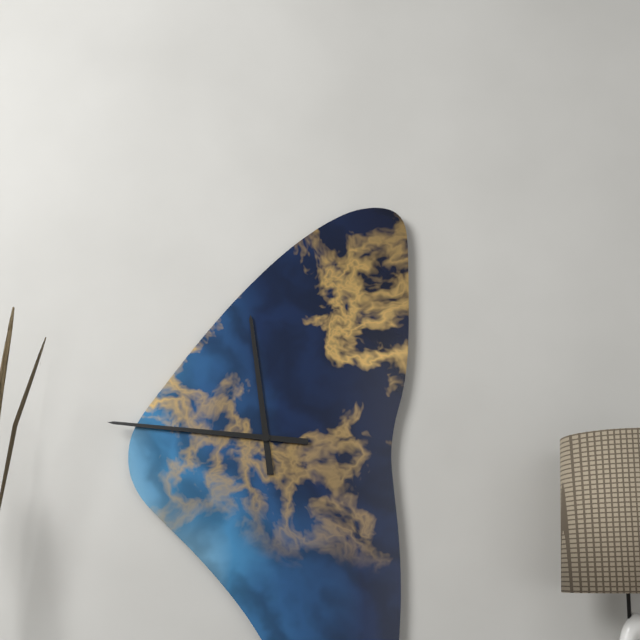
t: 11:46
